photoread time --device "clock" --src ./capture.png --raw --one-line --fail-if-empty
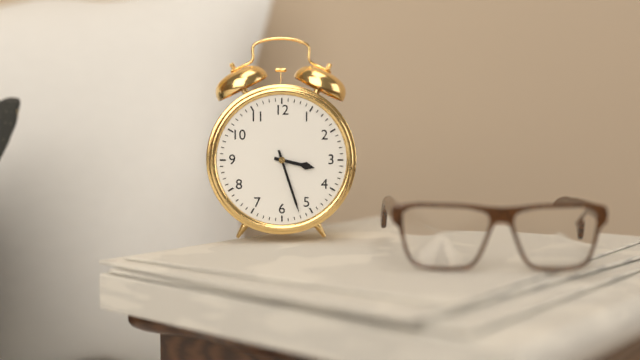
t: 3:27
